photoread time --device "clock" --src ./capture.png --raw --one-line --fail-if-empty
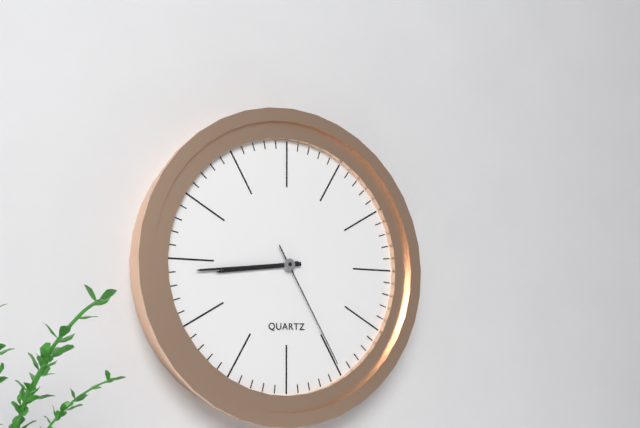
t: 8:44:25
